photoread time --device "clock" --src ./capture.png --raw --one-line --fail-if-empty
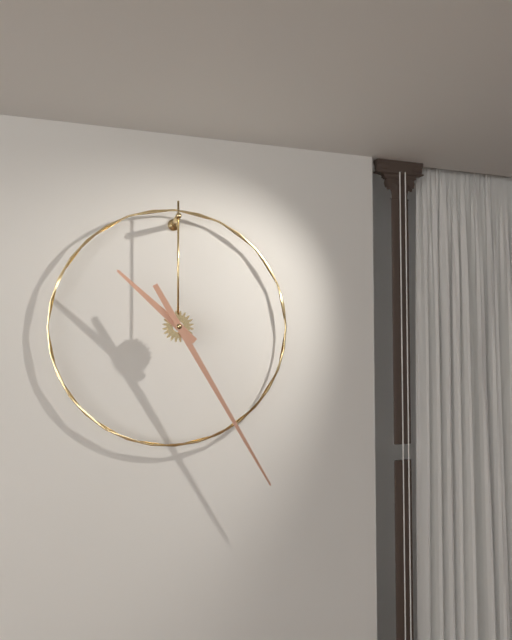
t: 10:25
